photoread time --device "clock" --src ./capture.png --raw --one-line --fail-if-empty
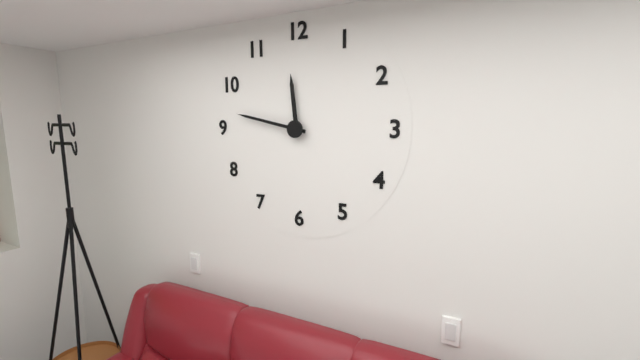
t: 11:47
